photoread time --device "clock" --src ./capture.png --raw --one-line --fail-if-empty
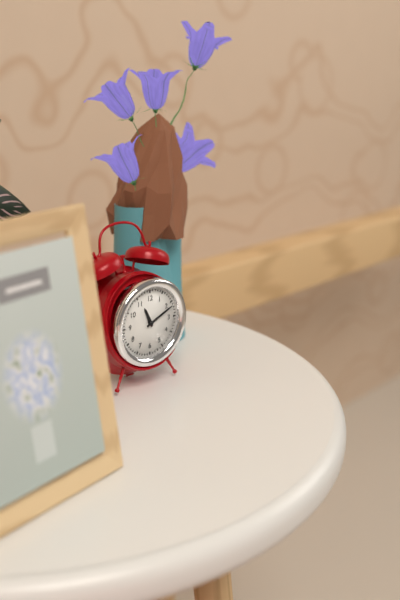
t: 11:11
